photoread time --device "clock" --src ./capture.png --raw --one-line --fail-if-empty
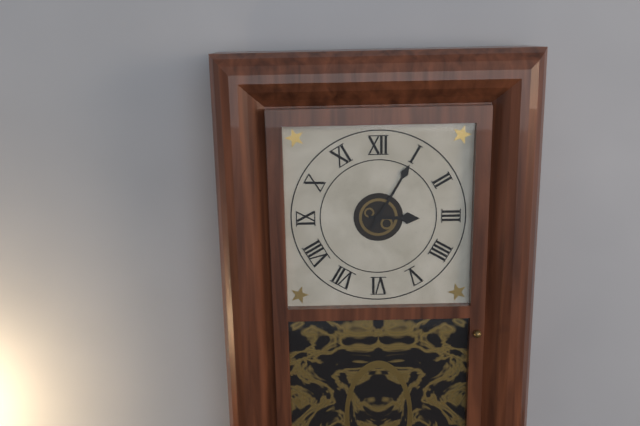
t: 3:05
